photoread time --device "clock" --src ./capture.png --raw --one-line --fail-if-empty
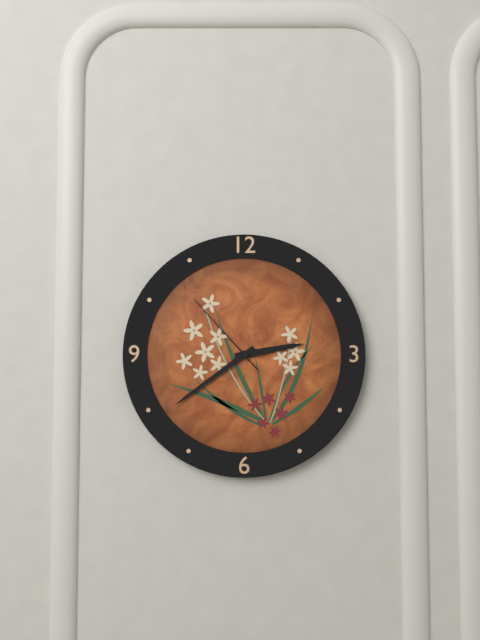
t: 2:39:53
